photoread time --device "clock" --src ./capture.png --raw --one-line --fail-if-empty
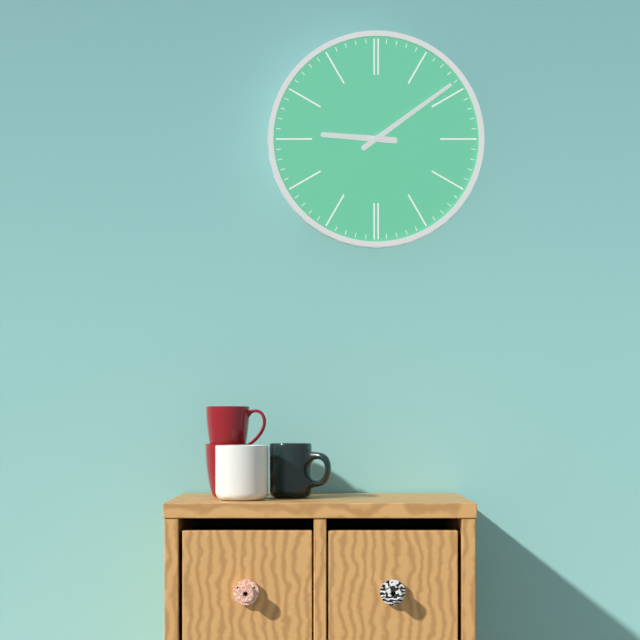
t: 9:09
